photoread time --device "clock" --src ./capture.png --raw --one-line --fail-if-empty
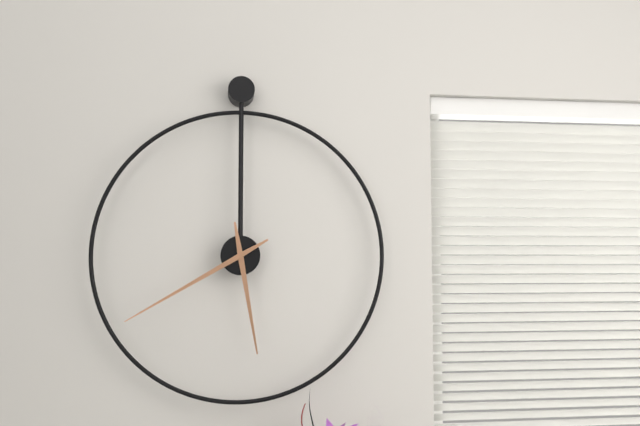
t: 5:40
